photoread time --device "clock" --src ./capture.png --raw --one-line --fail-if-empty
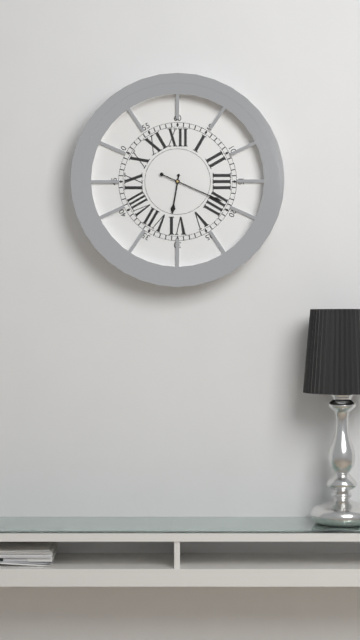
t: 6:19
